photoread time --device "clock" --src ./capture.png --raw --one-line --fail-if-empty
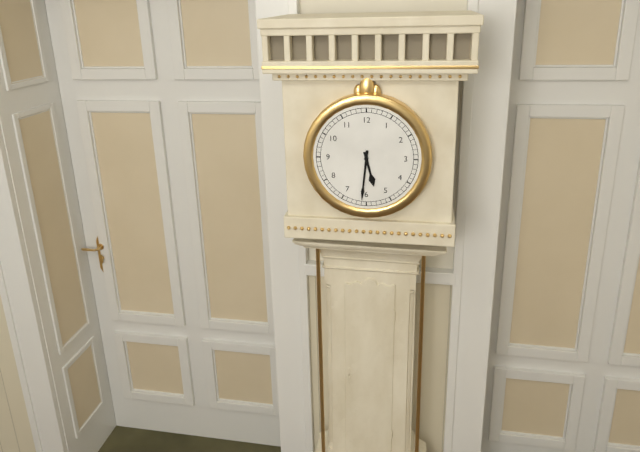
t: 5:31
